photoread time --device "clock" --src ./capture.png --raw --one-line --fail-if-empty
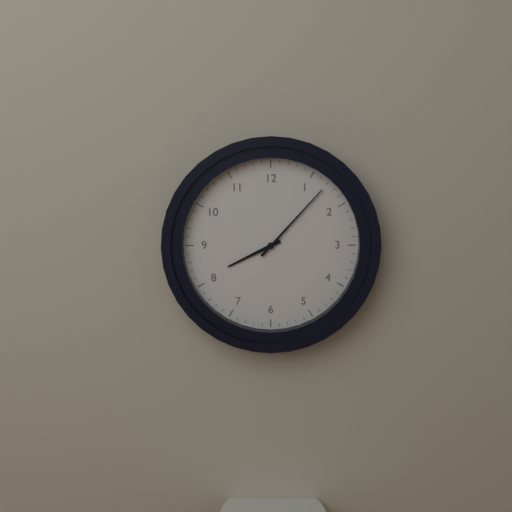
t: 8:07
